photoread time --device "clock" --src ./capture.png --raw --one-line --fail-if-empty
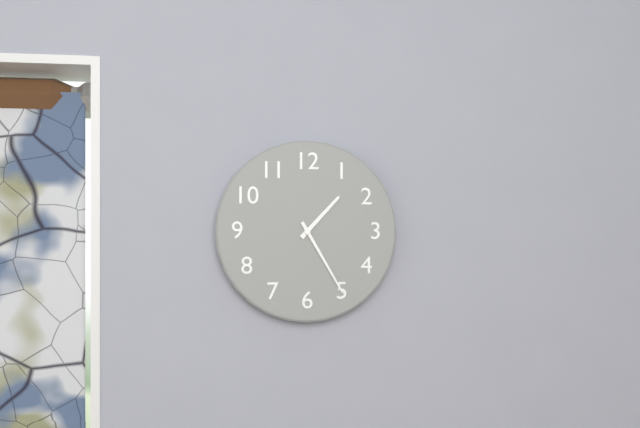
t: 1:25
